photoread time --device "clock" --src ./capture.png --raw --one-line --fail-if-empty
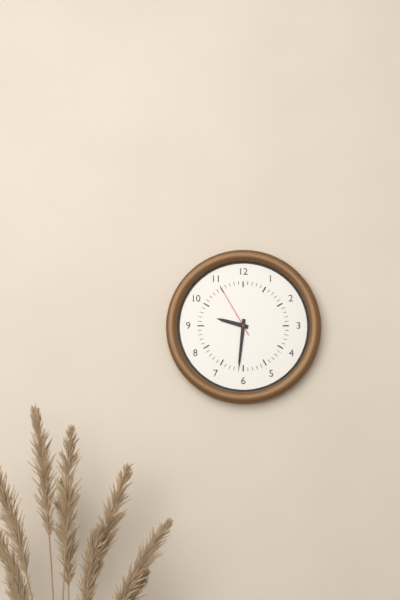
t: 9:31:55
